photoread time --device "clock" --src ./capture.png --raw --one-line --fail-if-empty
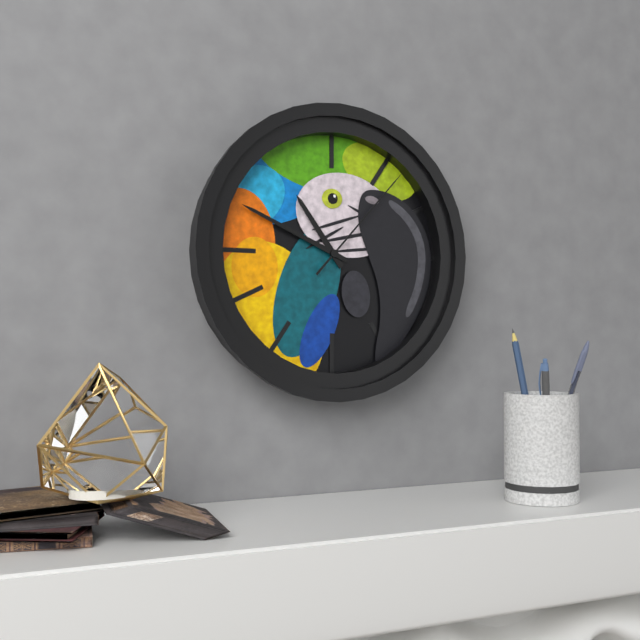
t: 10:49:07
